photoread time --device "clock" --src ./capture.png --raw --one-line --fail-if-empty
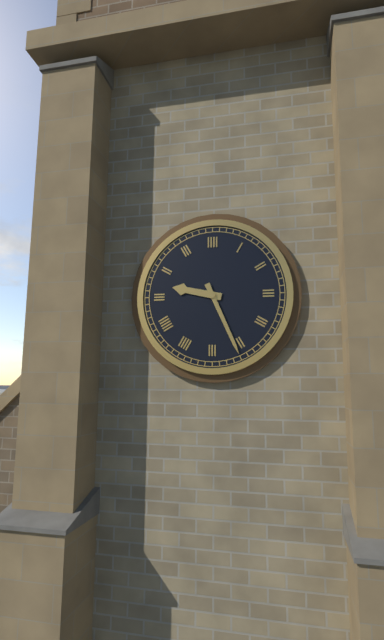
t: 9:26
